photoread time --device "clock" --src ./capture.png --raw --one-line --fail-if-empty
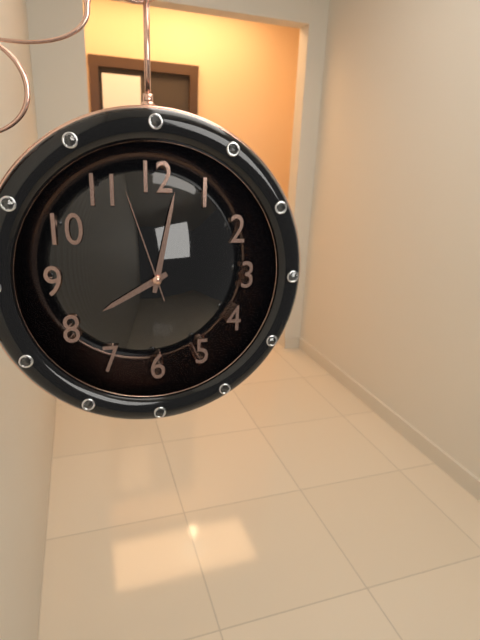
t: 8:02:57
